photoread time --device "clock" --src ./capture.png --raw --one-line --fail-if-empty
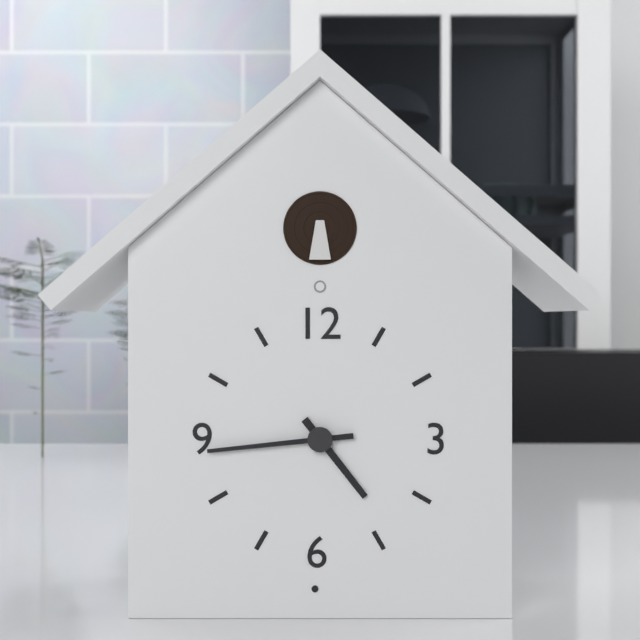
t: 4:44
